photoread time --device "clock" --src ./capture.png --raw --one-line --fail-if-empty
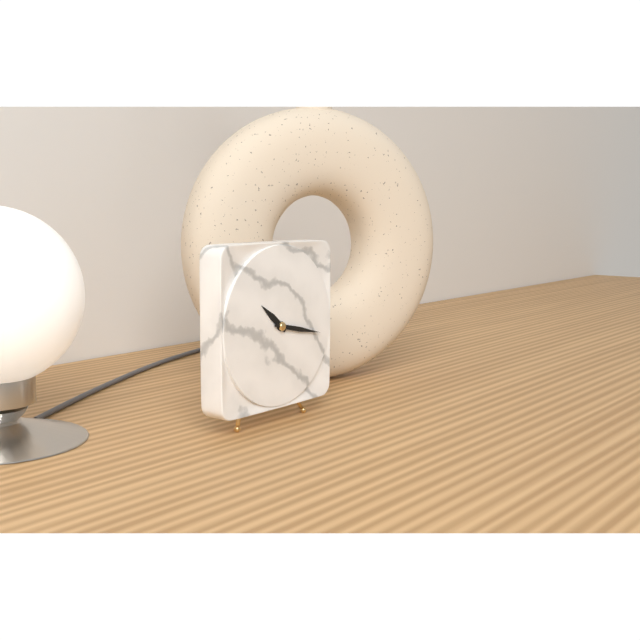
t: 10:17
